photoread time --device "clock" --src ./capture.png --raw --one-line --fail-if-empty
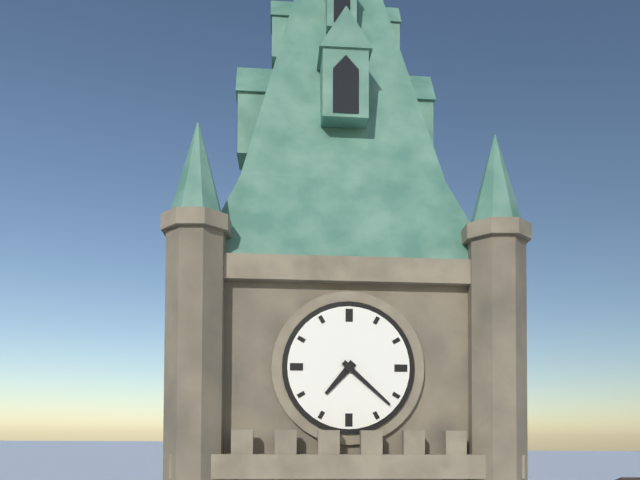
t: 7:22
